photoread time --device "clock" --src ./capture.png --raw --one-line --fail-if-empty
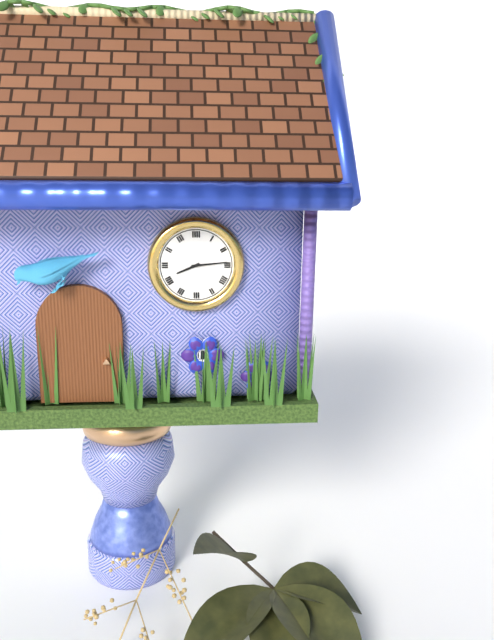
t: 8:14
